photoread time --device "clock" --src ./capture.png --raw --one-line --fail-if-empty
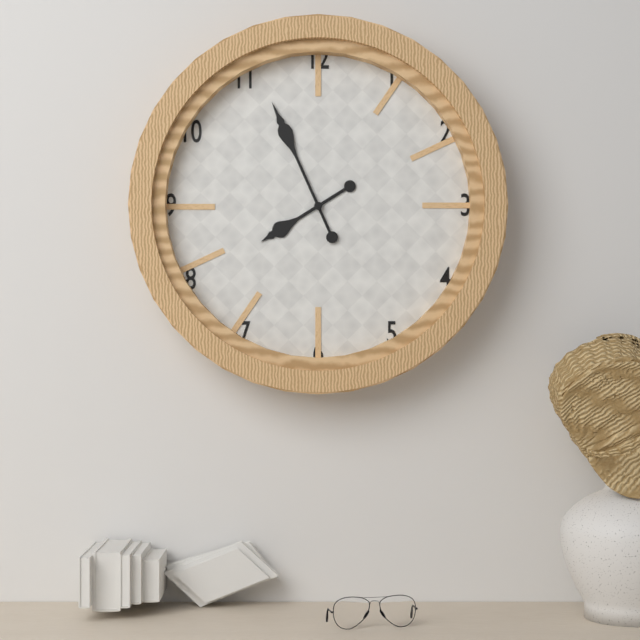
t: 7:56
